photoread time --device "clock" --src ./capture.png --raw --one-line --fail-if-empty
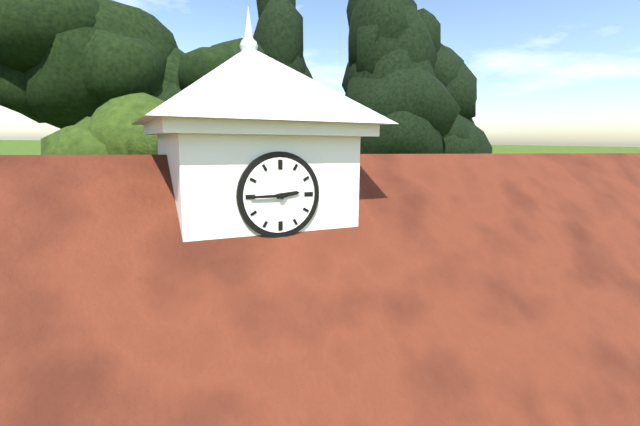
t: 2:45
